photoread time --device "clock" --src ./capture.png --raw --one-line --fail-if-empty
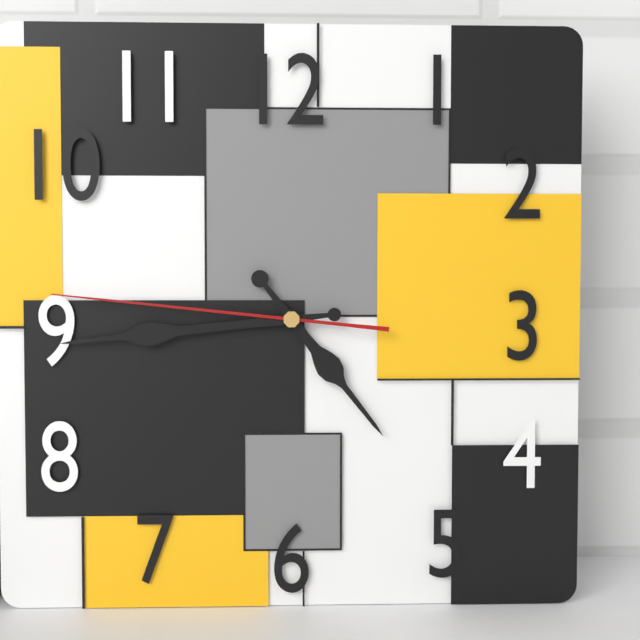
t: 4:44:46
